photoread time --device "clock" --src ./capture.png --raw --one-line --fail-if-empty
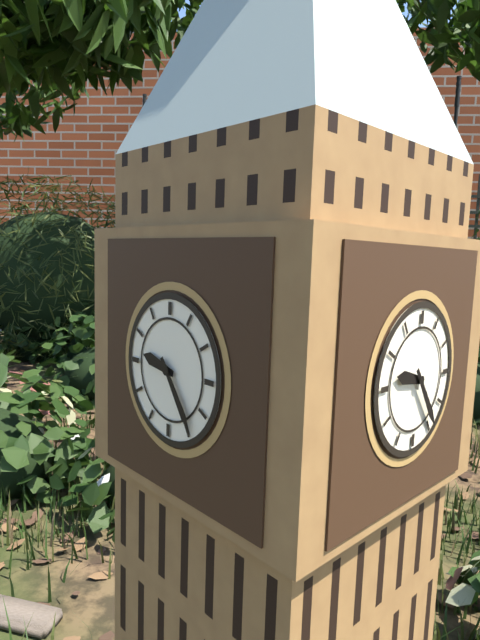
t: 9:24
